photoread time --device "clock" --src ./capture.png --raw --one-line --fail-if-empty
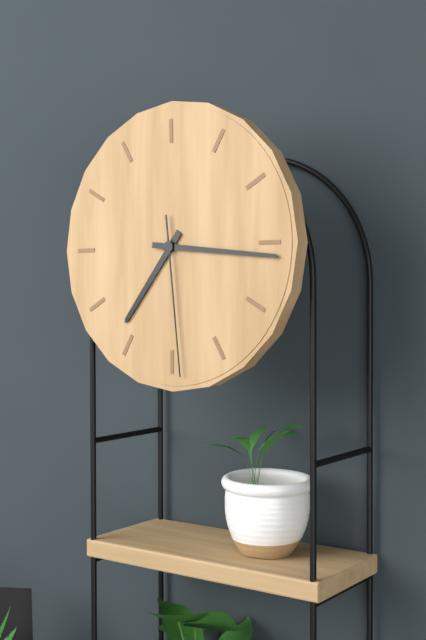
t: 7:16:29
